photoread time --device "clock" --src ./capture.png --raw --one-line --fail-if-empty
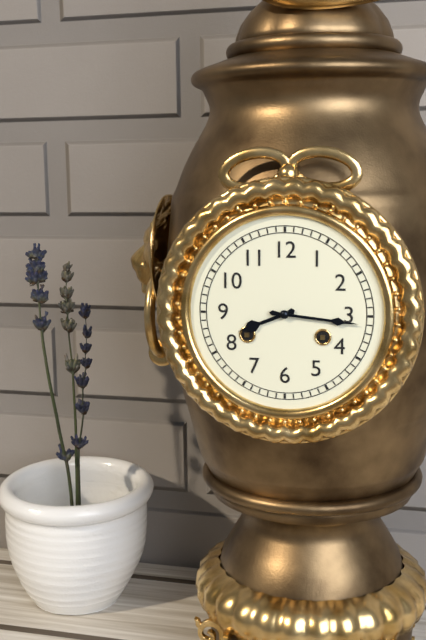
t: 8:16
